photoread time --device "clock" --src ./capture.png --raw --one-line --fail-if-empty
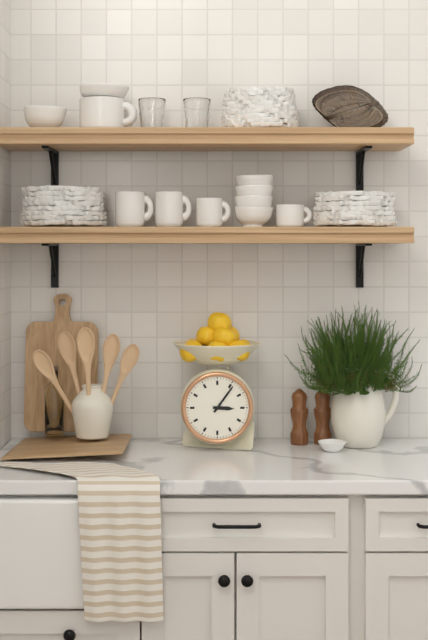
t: 3:06
